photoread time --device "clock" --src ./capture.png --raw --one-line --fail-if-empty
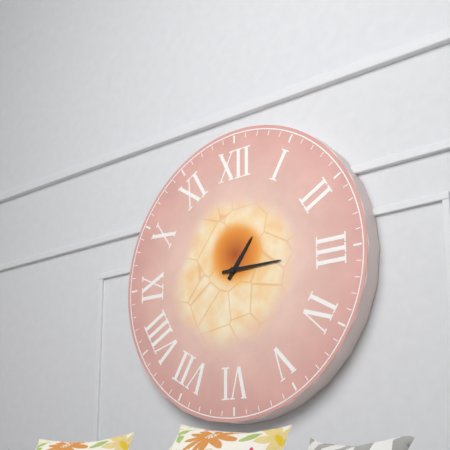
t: 1:15
